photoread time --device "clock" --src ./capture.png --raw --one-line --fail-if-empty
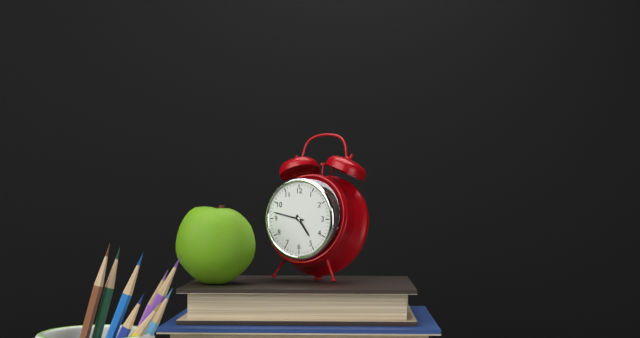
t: 4:47
